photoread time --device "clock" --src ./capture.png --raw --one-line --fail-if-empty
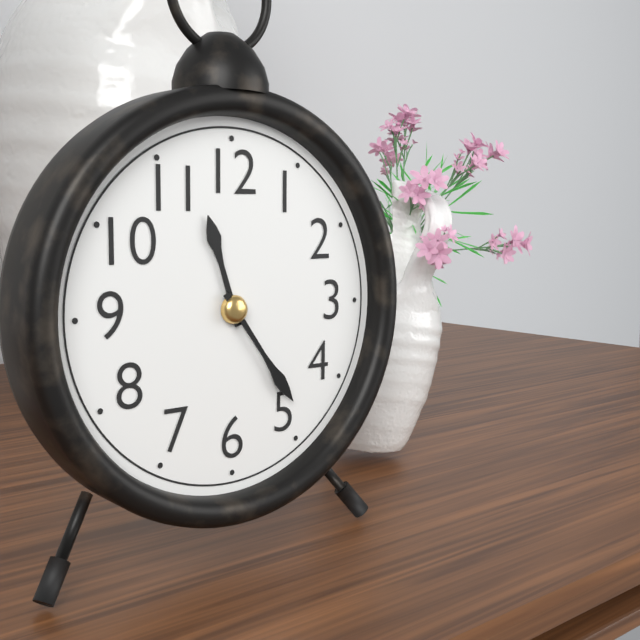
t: 11:24
